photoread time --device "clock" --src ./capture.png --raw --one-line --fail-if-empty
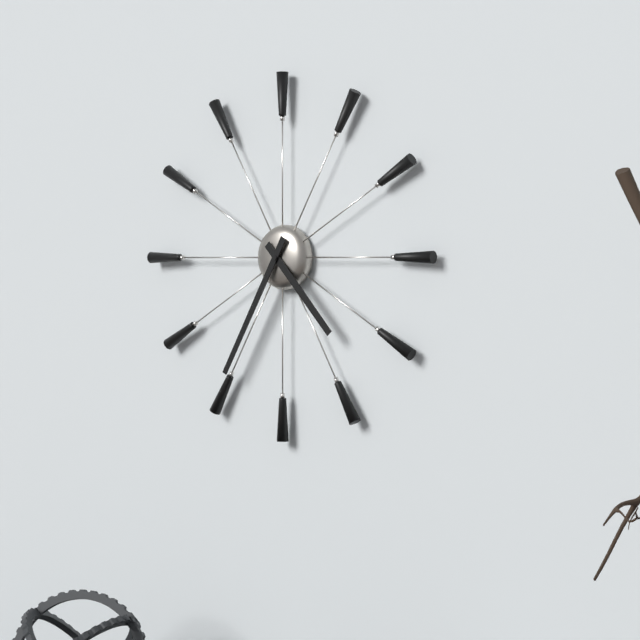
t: 4:35
